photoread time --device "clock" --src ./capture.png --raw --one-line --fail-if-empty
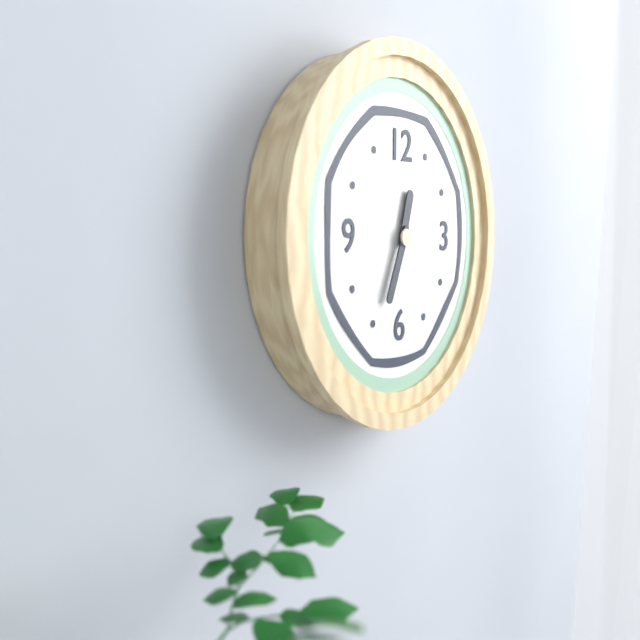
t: 12:34
